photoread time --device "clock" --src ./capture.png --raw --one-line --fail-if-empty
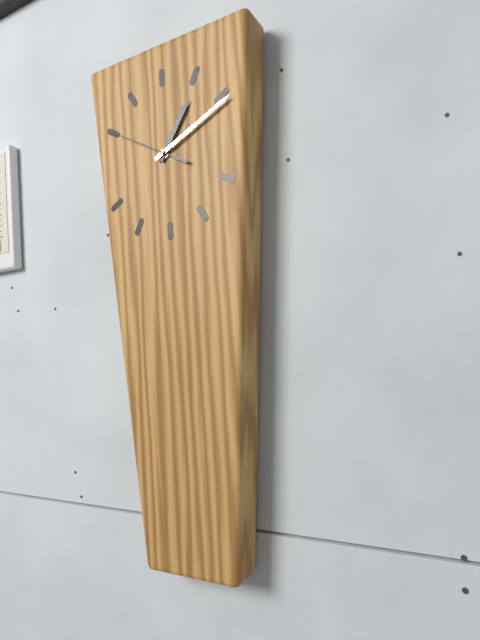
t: 1:11:50
